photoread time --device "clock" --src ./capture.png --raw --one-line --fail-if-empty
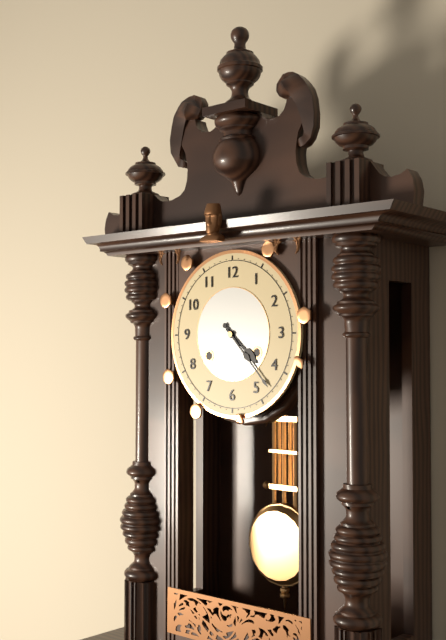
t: 4:23
